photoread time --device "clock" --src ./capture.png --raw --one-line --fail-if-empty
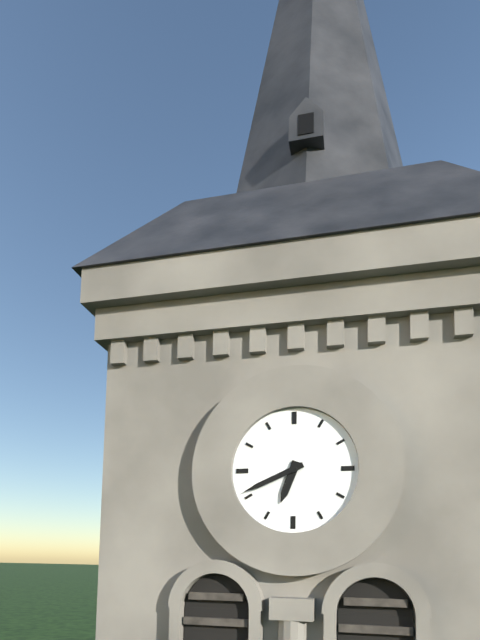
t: 6:41
